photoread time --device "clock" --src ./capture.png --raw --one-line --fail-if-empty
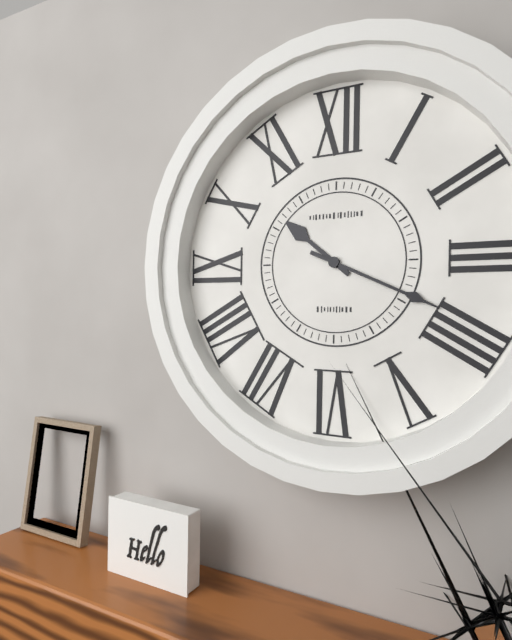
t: 10:19
